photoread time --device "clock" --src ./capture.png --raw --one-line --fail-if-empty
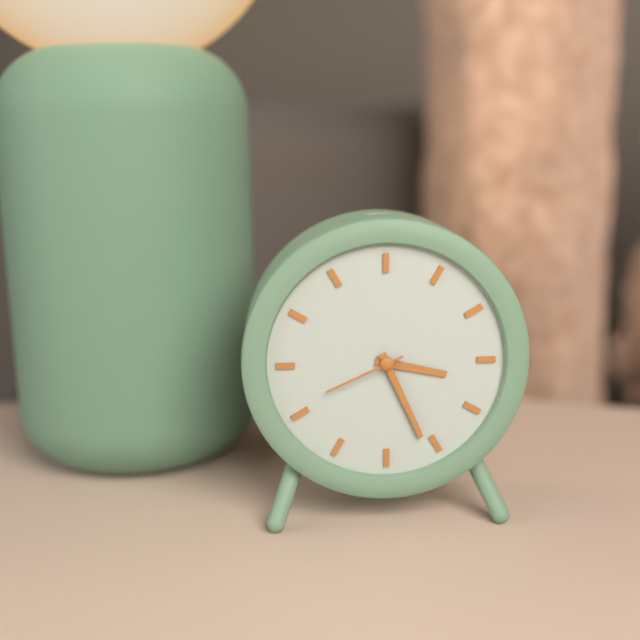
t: 3:26:41
